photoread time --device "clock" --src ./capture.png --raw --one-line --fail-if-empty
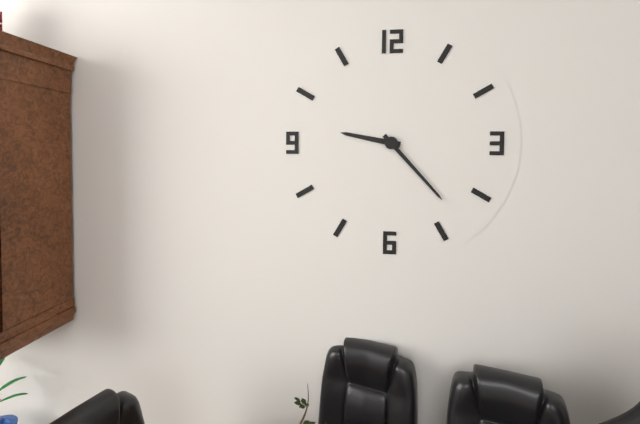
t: 9:23
